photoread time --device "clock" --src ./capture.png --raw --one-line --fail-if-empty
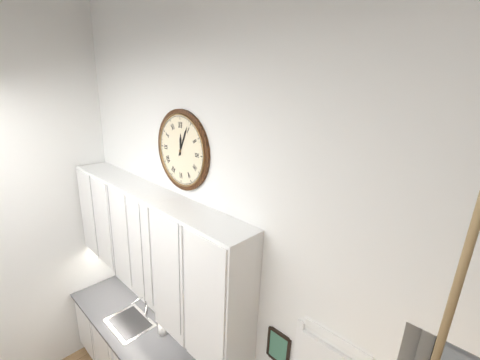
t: 12:04
